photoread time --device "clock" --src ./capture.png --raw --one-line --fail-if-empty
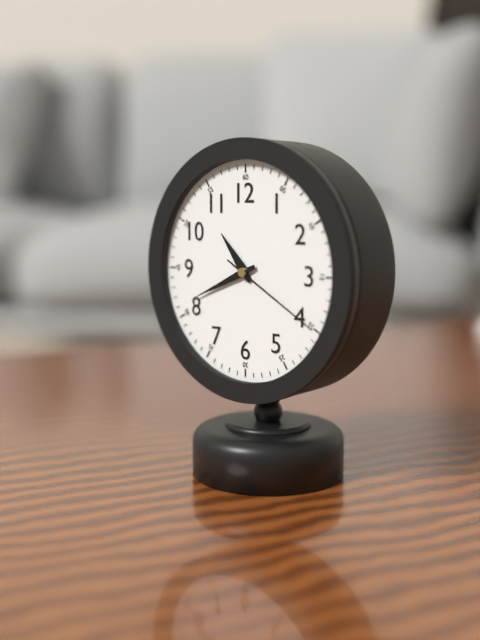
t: 10:41:20
